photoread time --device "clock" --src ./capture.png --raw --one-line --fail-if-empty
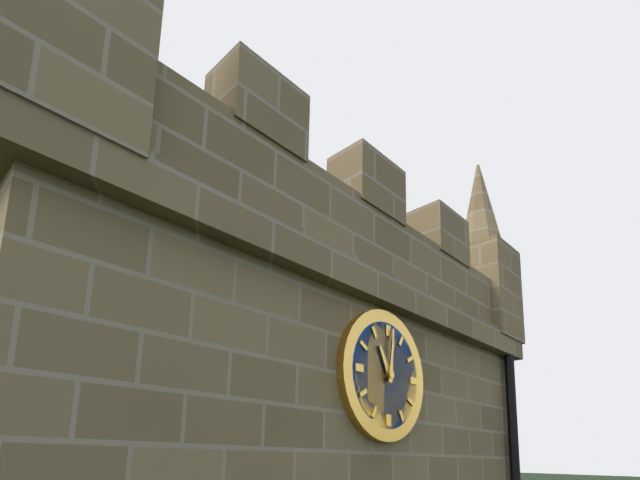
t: 11:01
